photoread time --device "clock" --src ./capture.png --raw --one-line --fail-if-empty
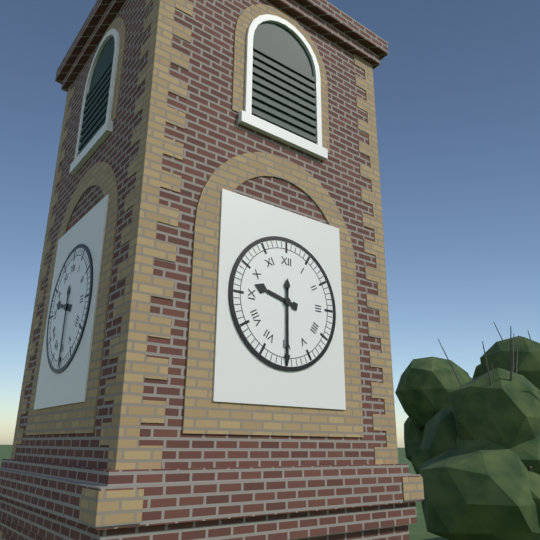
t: 9:30
